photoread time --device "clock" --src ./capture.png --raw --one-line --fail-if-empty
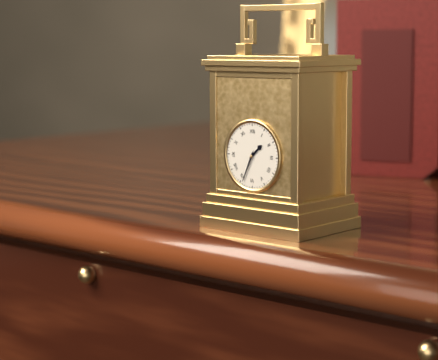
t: 1:34
